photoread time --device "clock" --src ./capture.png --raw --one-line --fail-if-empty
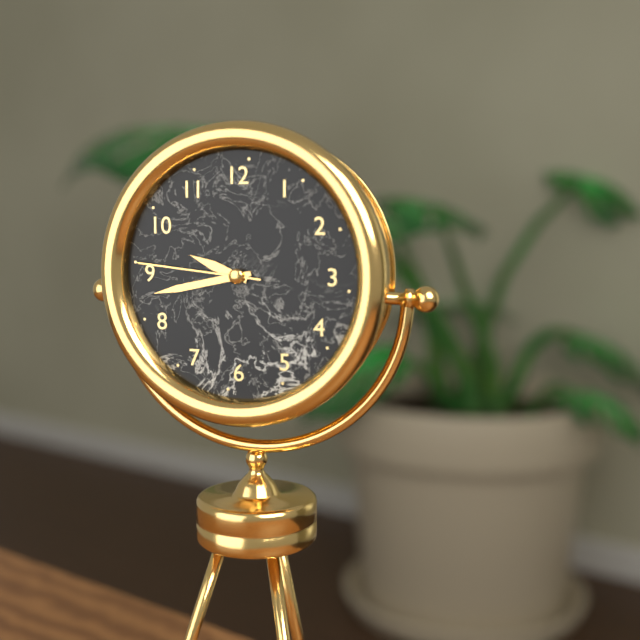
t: 9:43:46
